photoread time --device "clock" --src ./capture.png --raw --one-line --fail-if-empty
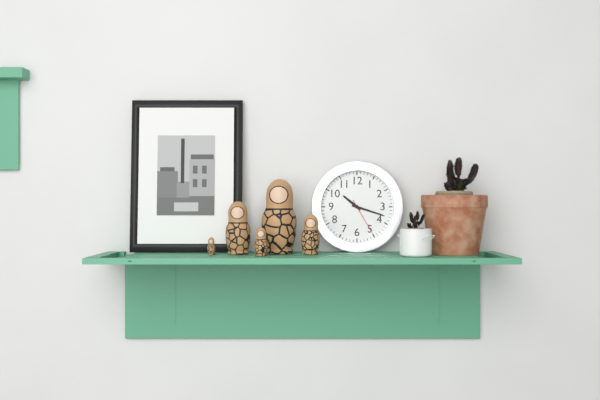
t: 10:18
